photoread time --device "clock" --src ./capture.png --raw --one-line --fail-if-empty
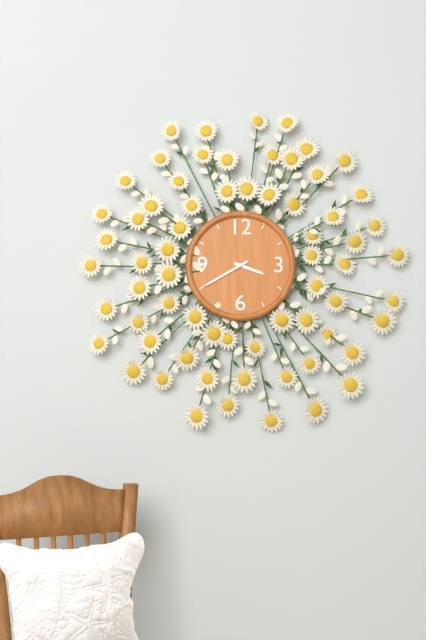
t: 3:40
